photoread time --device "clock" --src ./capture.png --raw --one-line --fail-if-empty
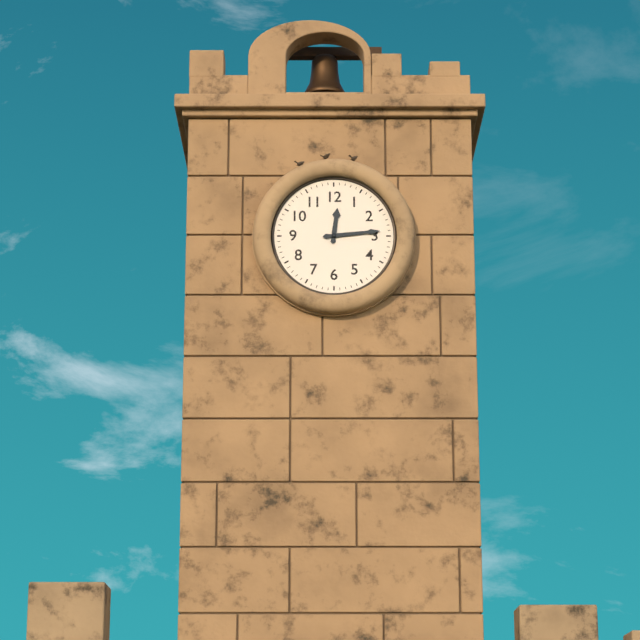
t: 12:14
